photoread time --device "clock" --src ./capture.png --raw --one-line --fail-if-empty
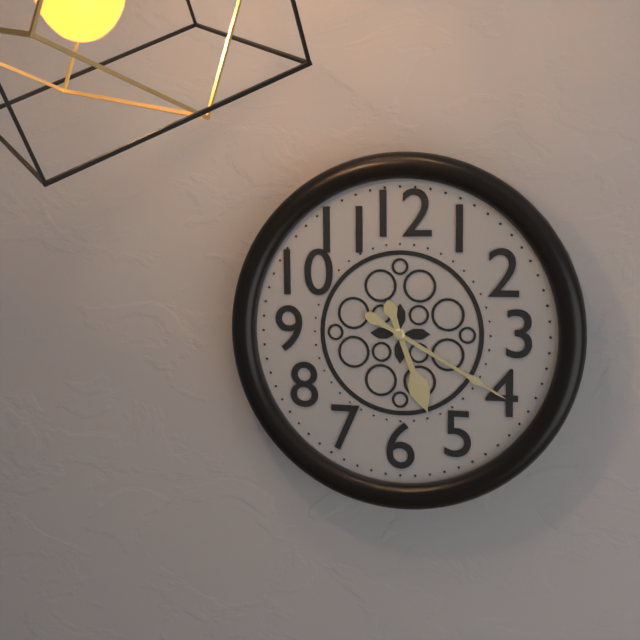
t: 5:20
